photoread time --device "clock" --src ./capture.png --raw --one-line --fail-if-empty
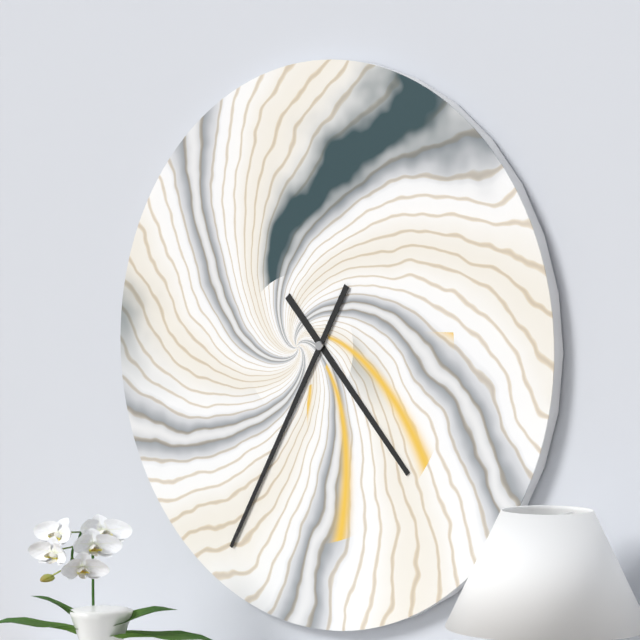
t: 4:35
